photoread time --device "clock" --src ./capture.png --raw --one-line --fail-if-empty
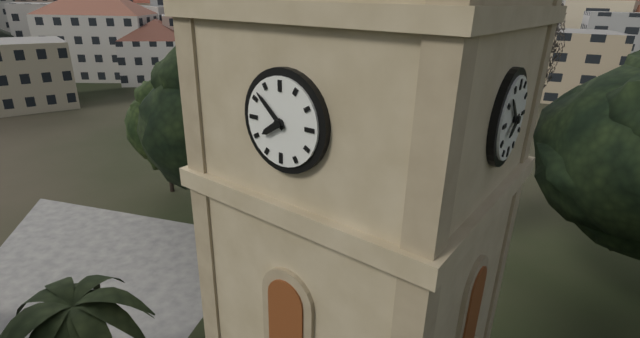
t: 7:52
